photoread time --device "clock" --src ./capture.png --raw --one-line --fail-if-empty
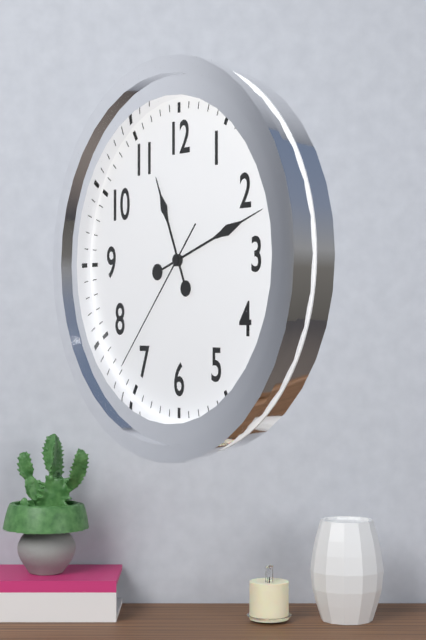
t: 11:12:37
